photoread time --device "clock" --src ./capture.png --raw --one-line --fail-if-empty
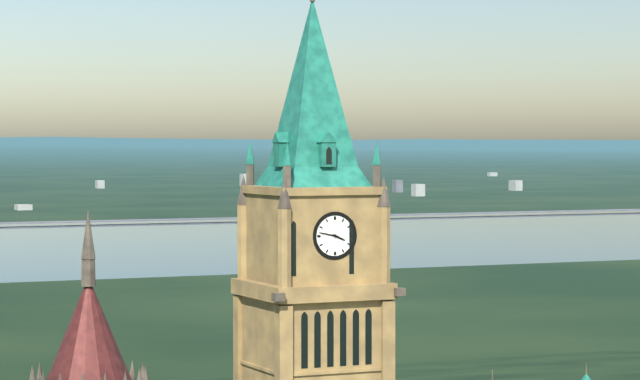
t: 3:47
